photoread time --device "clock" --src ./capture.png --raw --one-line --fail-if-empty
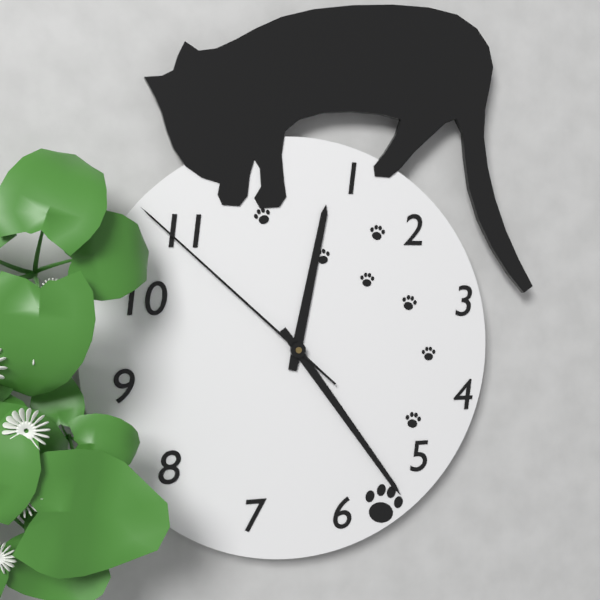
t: 12:24:52
